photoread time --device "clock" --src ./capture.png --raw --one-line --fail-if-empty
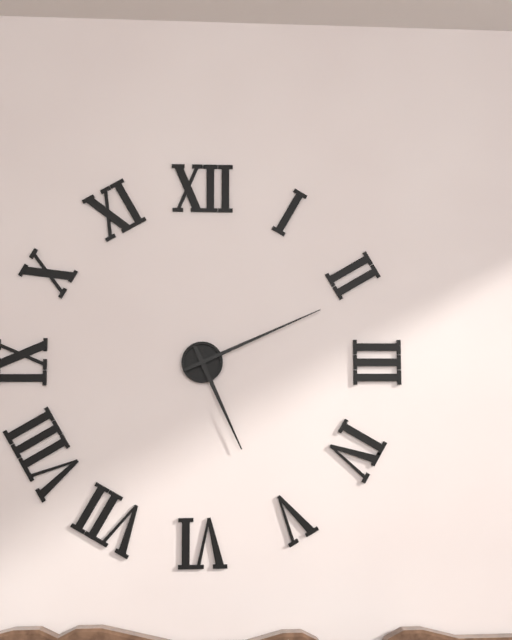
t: 5:11
